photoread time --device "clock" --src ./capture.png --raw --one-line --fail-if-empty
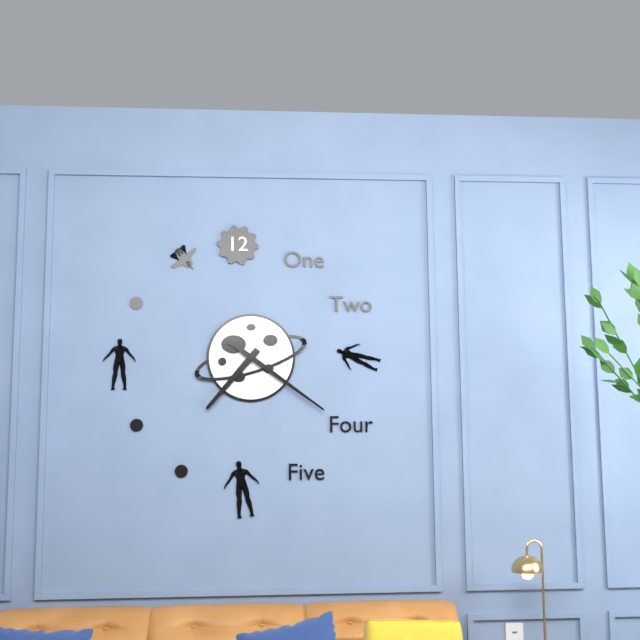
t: 7:21
